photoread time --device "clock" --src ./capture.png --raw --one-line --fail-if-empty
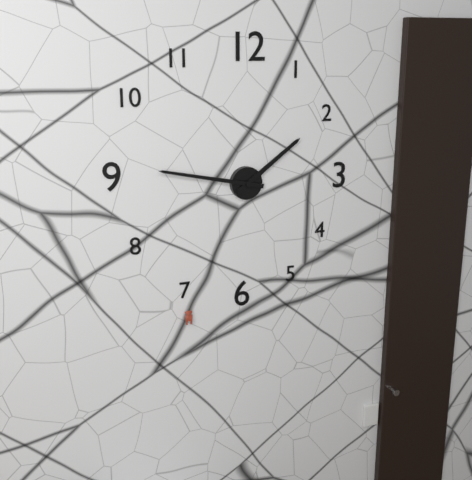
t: 1:47
